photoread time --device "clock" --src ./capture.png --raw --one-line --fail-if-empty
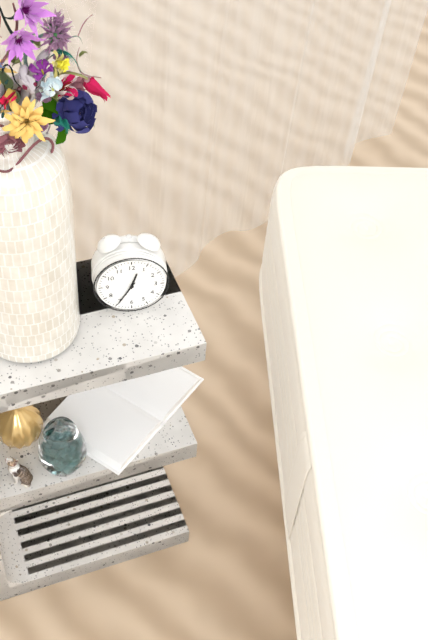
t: 12:35
